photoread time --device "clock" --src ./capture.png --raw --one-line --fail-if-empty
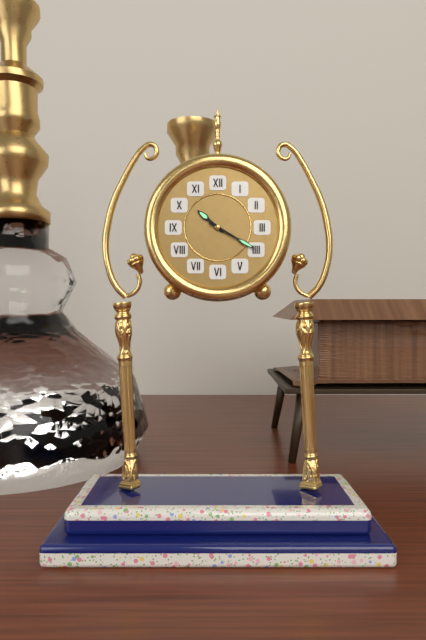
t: 10:20
